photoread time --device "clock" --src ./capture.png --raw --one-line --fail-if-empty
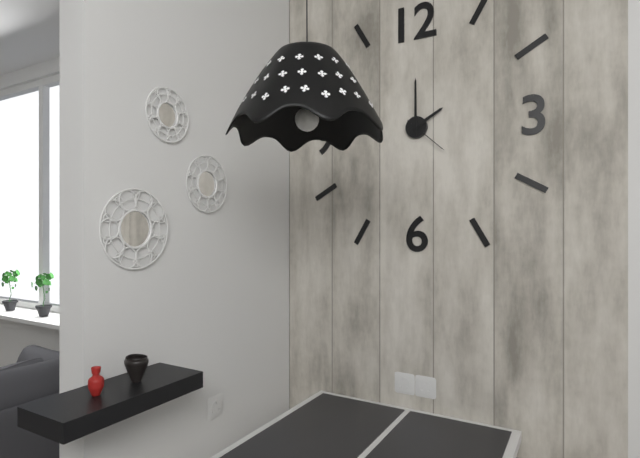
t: 2:00
